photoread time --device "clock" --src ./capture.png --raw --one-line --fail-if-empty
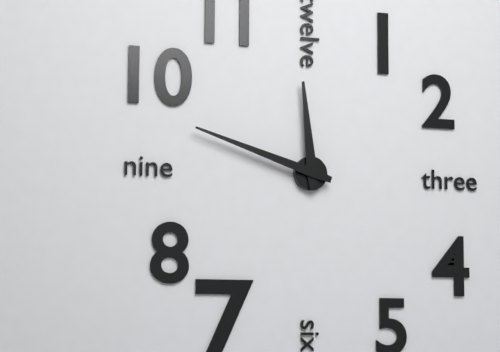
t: 11:48
